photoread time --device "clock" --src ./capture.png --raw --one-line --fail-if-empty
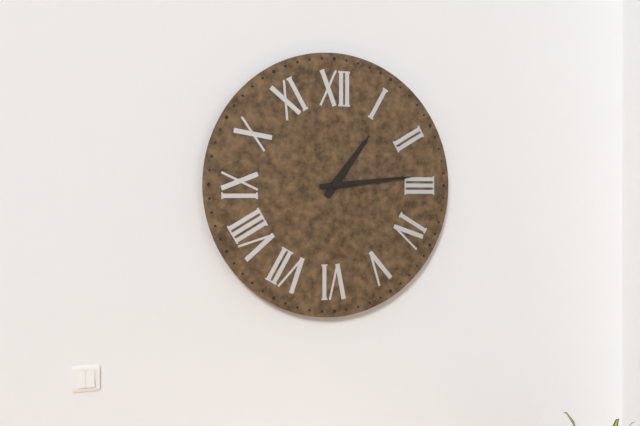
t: 1:14
